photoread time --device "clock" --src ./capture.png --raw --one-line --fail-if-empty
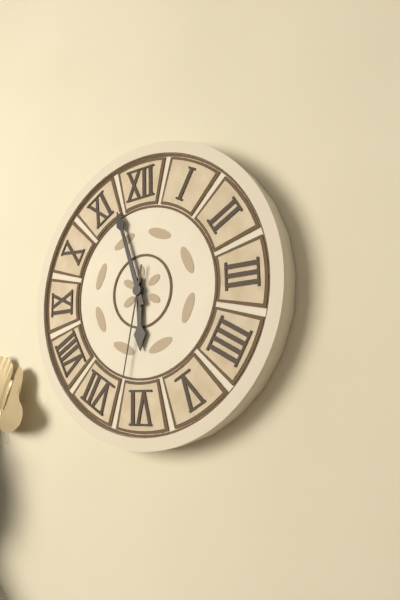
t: 5:57:32
